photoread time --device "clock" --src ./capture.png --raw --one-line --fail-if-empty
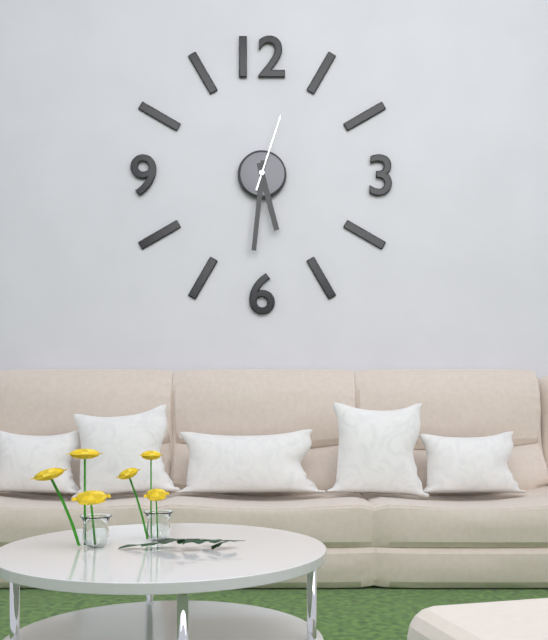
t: 5:31:03
